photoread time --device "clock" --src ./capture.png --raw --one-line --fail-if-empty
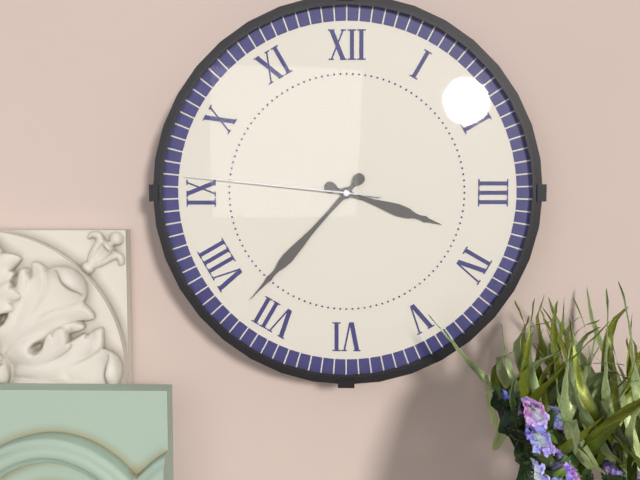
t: 3:37:46
